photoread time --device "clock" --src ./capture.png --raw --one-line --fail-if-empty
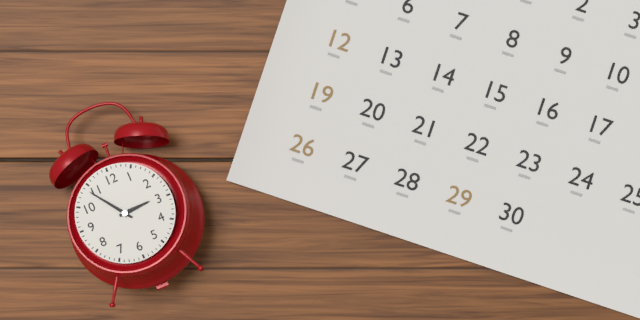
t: 2:54
